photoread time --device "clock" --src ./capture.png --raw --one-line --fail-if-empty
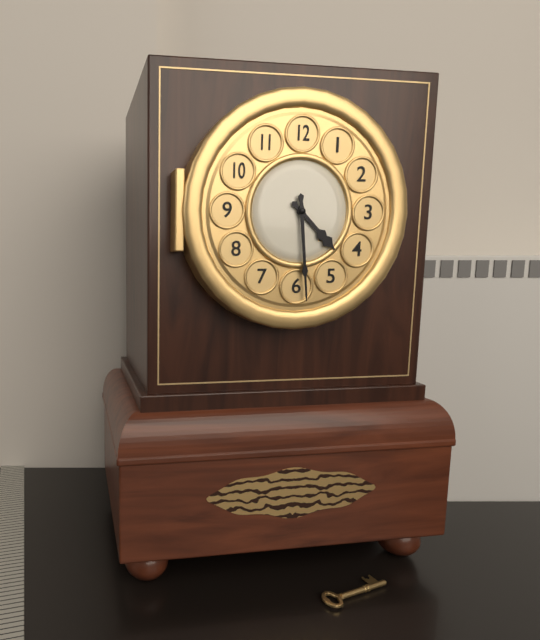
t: 4:29
